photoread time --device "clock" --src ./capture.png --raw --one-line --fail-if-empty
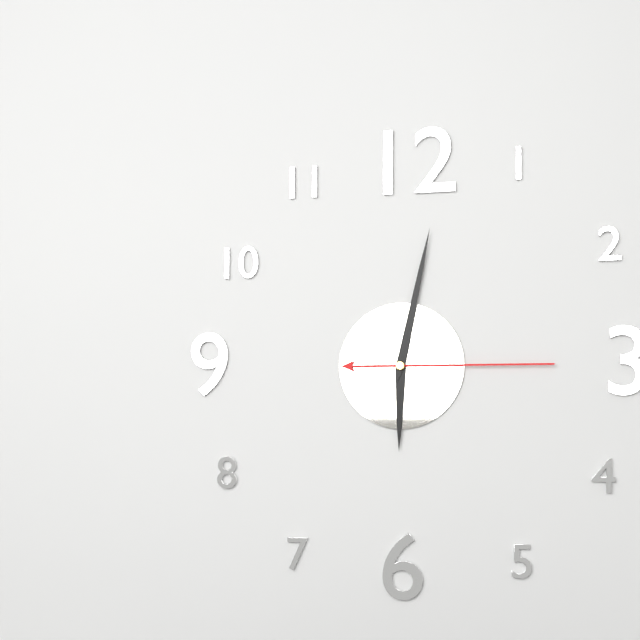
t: 6:02:15
